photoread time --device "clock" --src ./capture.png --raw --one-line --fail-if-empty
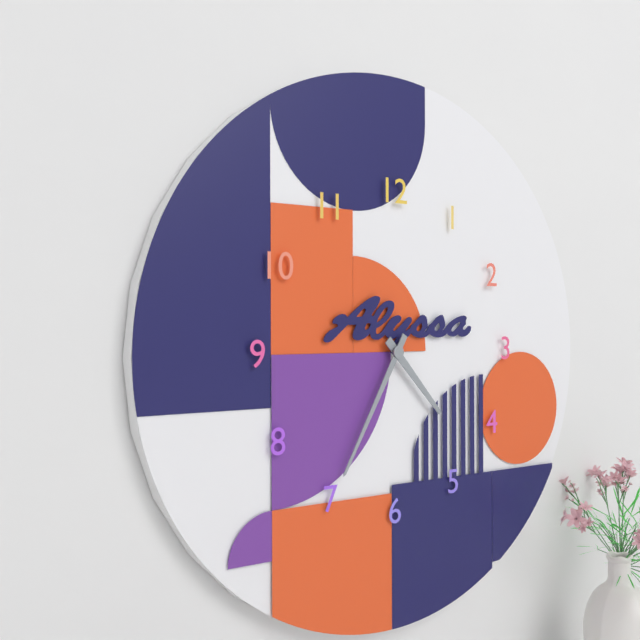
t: 4:35
